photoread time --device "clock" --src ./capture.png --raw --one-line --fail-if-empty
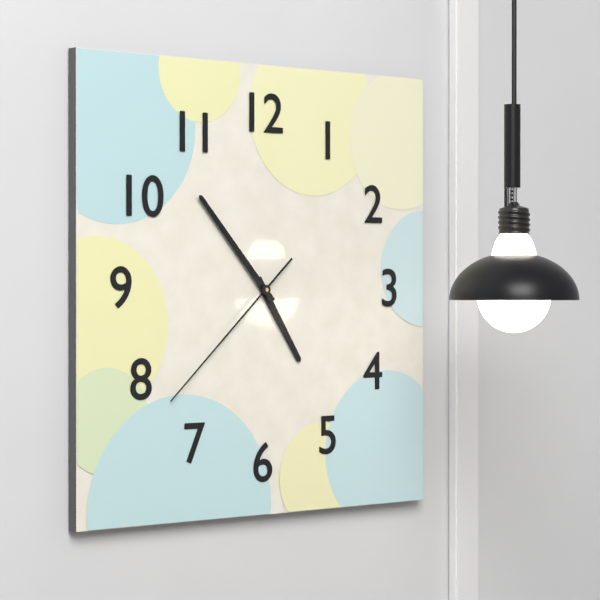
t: 4:53:38
